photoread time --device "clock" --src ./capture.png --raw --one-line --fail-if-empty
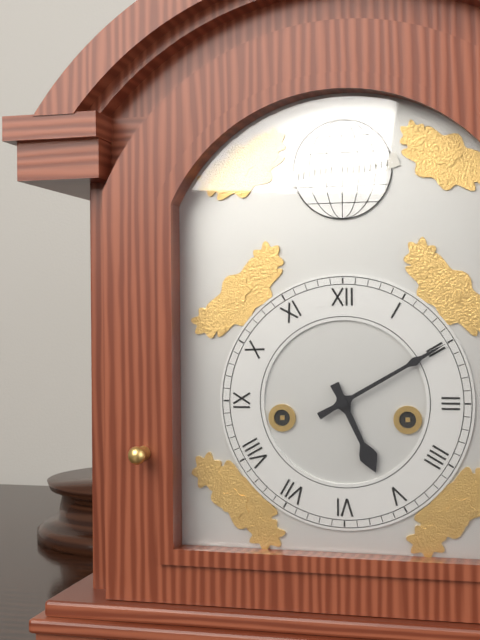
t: 5:10
